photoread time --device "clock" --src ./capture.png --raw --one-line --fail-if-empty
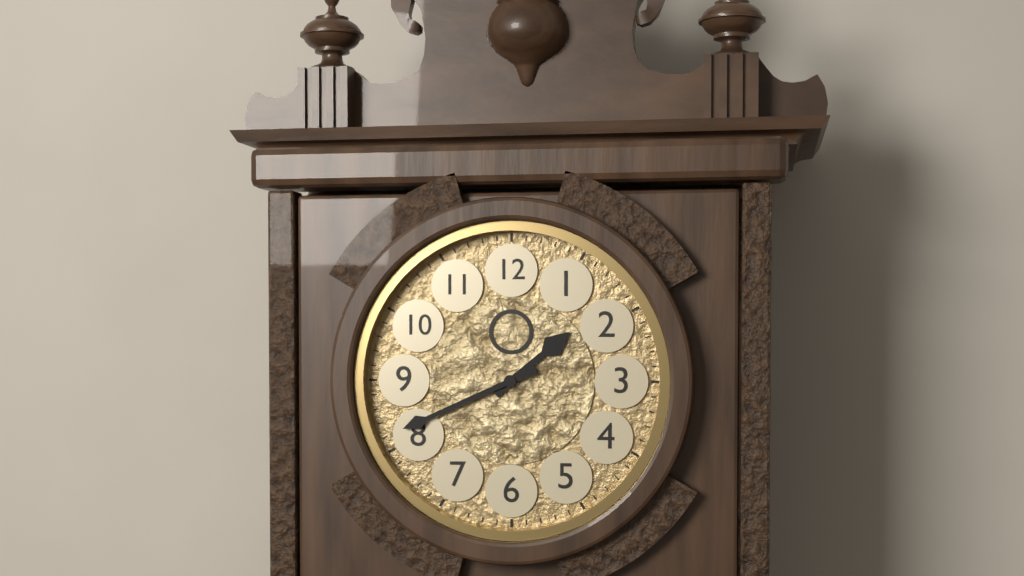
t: 1:41
